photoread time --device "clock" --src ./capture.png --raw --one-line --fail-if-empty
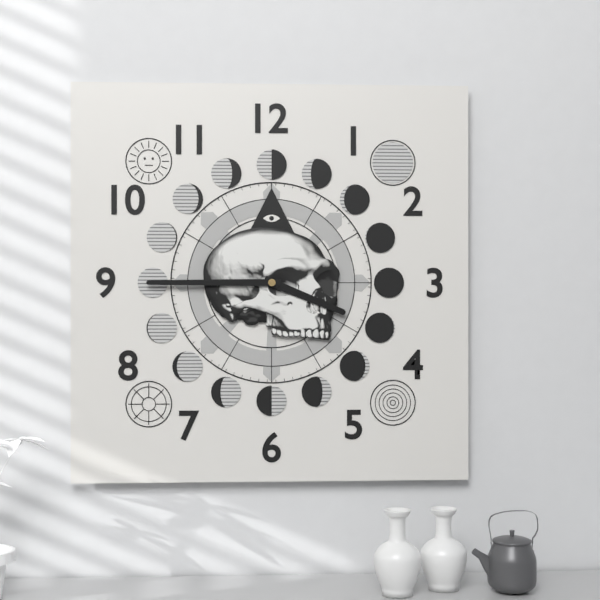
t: 3:45
